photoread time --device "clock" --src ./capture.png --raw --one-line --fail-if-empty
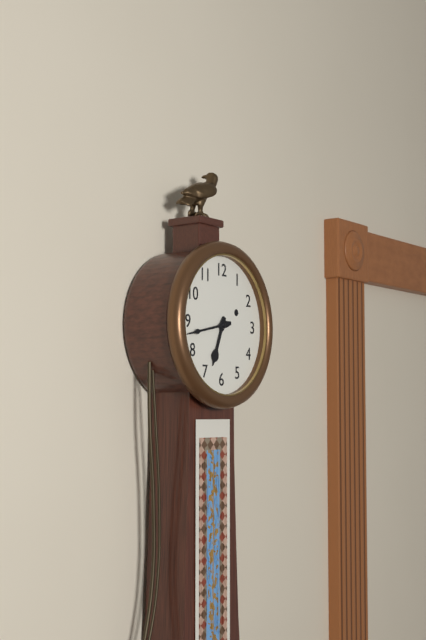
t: 6:43
